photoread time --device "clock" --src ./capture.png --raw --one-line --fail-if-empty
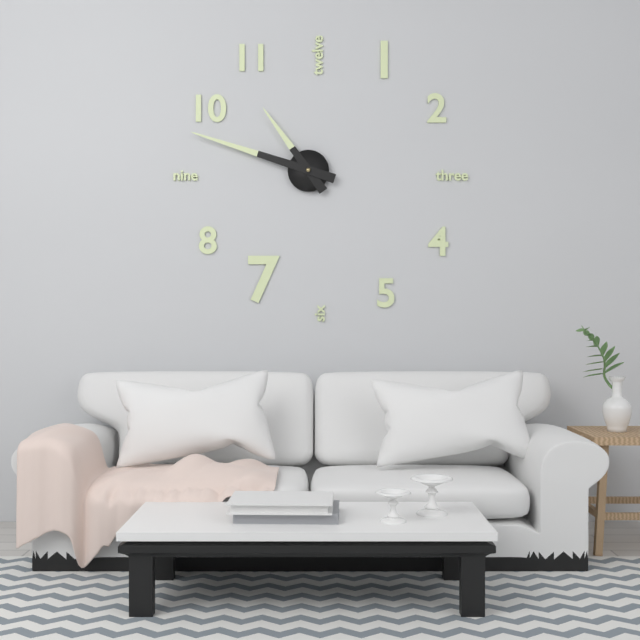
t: 10:48
